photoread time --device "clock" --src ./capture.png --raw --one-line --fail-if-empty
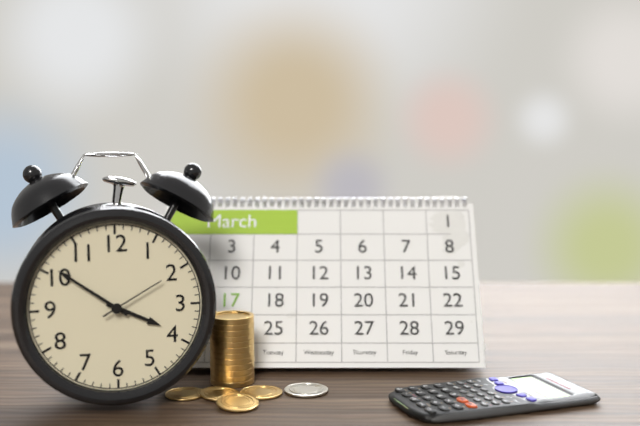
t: 3:51:10
